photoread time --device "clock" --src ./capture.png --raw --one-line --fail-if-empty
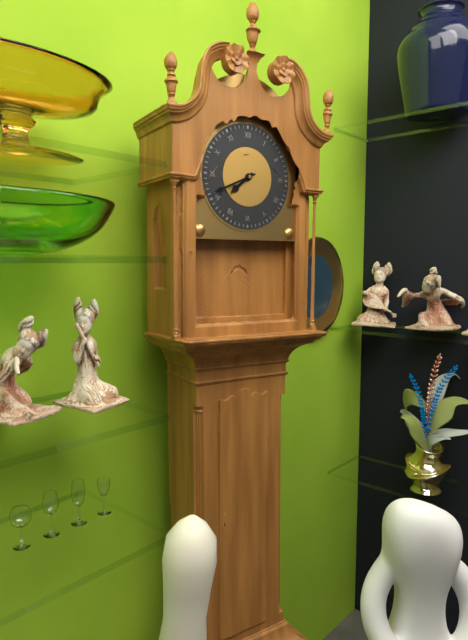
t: 7:41
